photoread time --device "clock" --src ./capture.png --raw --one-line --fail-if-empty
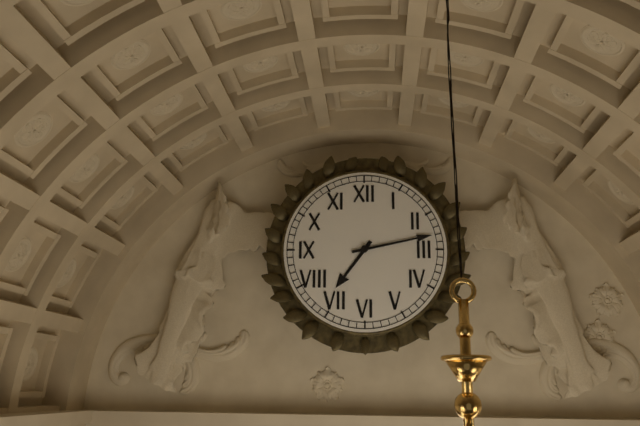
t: 7:13
